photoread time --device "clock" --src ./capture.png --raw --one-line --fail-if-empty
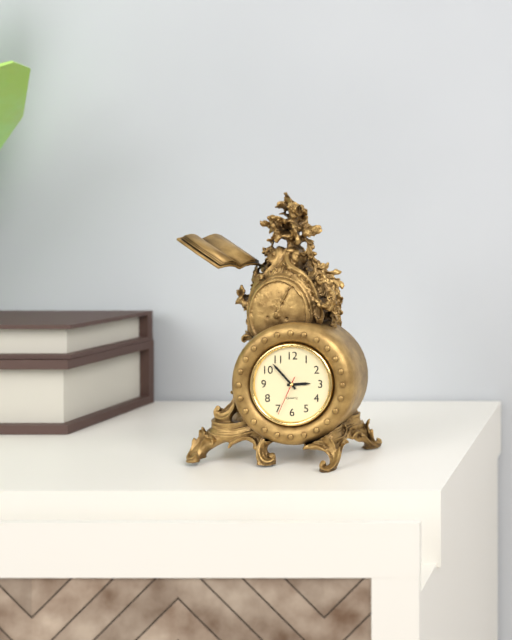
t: 2:53
